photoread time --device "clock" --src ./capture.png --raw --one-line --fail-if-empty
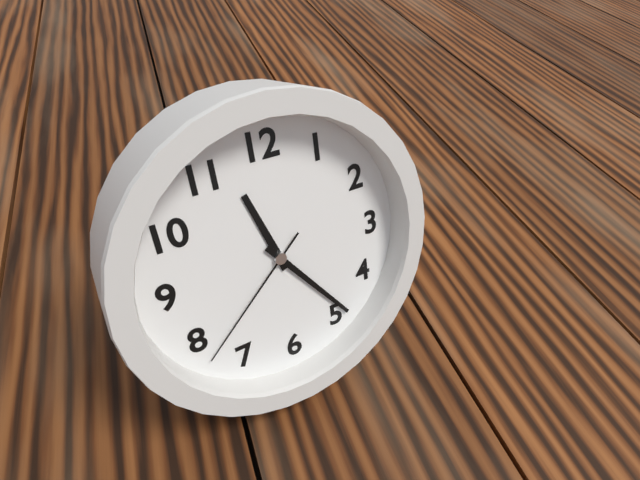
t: 11:24:38
